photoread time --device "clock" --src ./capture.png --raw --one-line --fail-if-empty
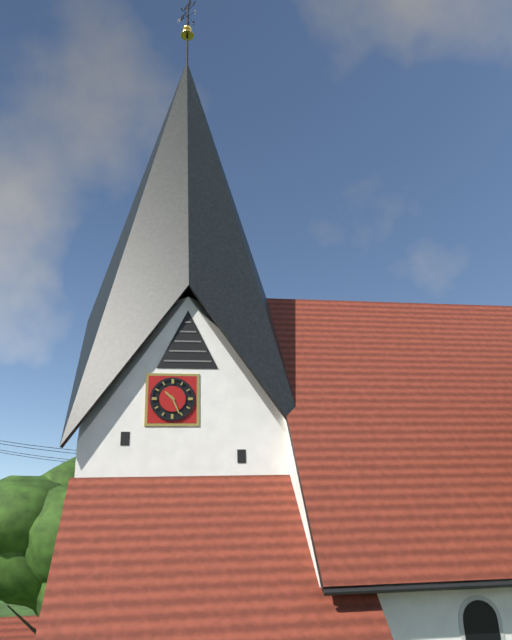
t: 10:26
